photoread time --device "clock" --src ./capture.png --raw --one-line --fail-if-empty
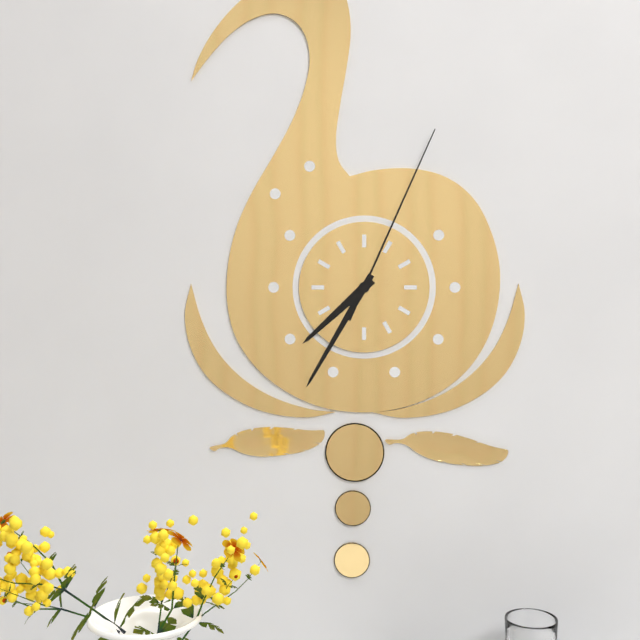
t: 7:35:04
